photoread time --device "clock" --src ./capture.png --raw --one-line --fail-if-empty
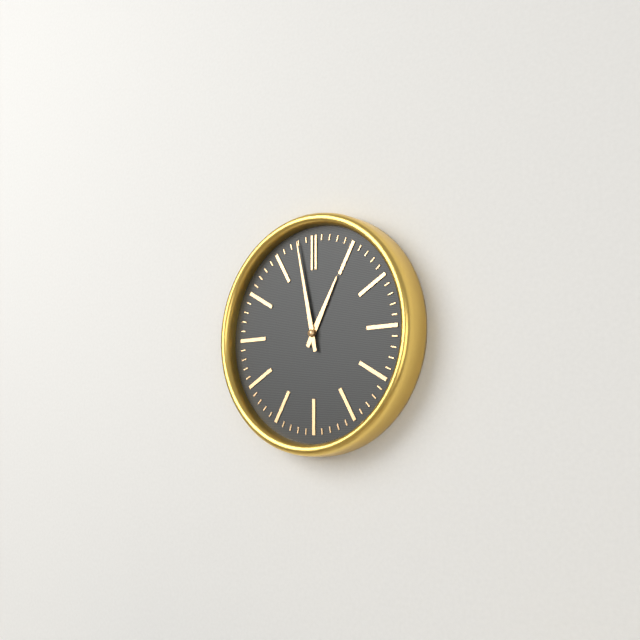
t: 12:58
